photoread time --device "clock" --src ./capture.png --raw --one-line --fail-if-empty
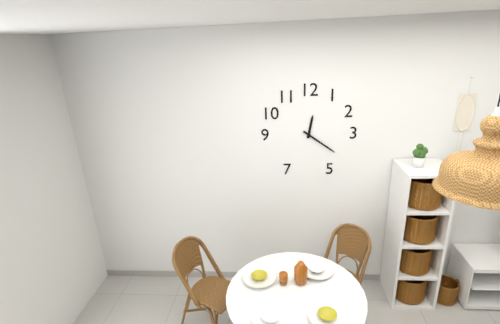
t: 12:21
